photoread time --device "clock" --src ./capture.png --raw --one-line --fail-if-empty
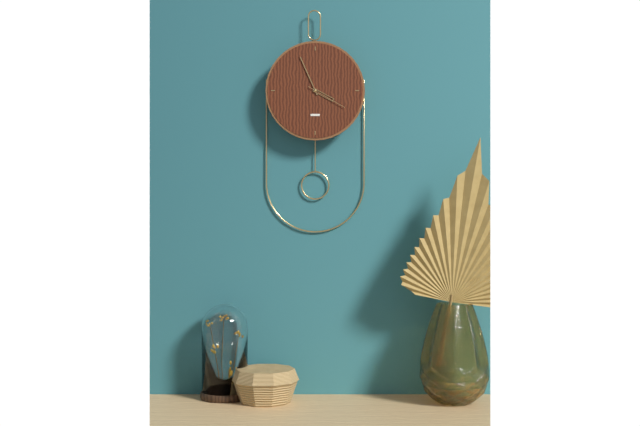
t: 3:56
